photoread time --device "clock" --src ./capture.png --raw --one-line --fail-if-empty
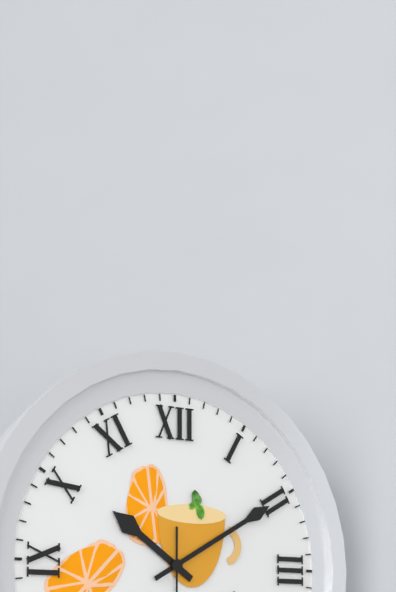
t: 10:10
